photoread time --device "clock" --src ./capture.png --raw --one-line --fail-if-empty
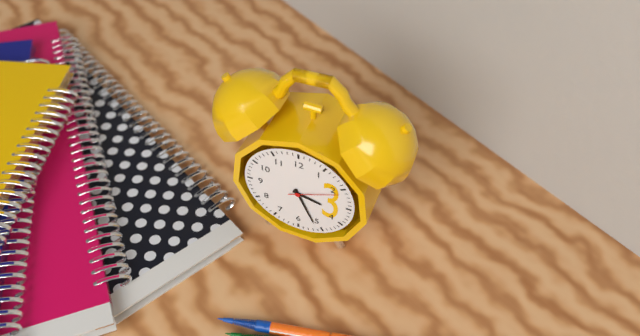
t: 3:26:11
